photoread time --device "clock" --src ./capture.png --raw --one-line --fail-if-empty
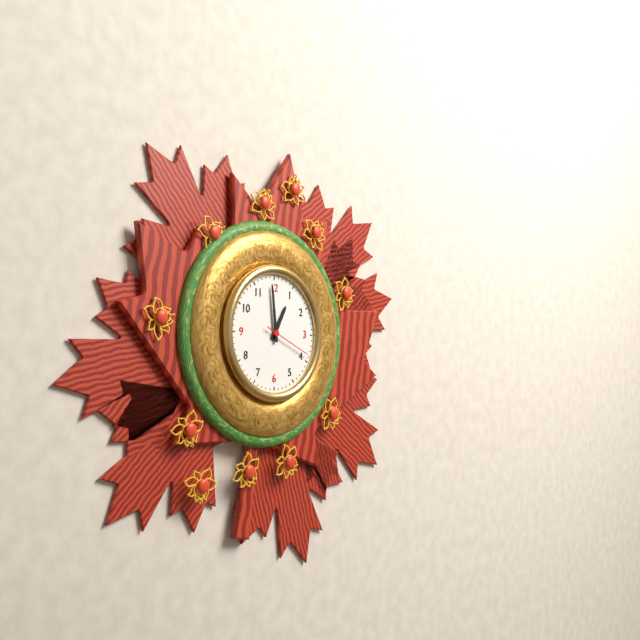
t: 12:59
